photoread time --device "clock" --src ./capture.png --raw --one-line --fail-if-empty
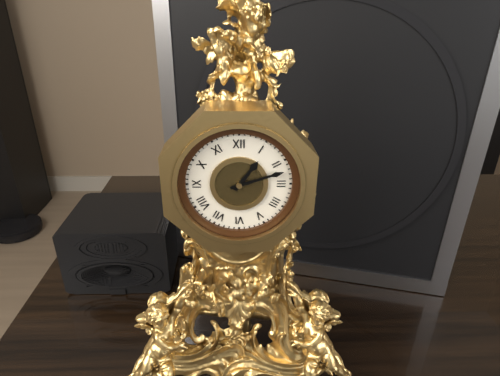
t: 1:12
